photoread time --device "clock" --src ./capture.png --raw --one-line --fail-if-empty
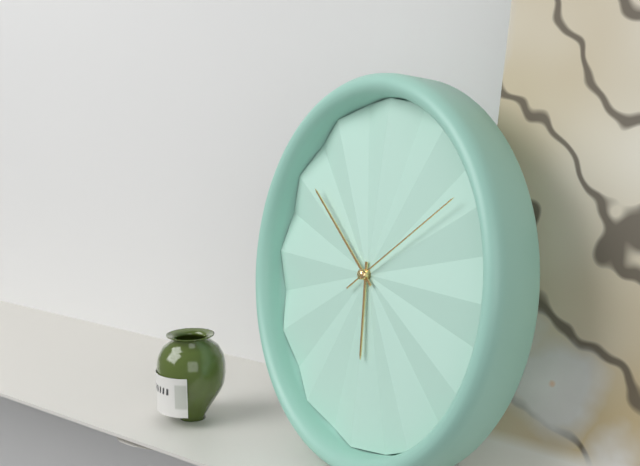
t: 5:51:09
